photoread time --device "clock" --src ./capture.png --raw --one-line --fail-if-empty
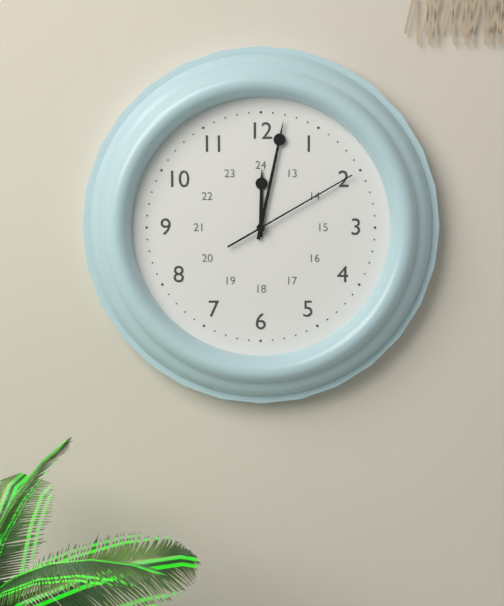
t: 12:02:10
